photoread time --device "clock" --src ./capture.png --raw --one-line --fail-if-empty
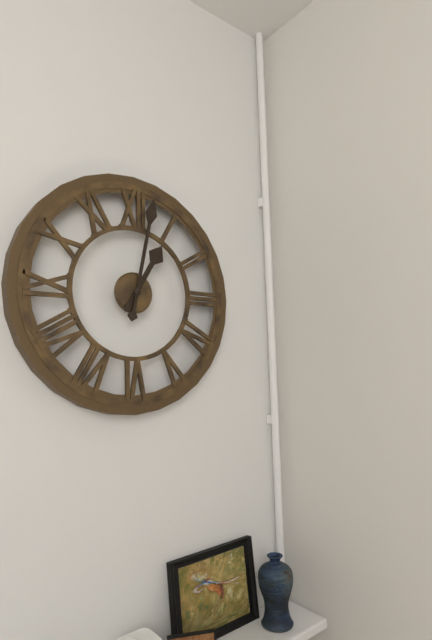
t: 1:02
